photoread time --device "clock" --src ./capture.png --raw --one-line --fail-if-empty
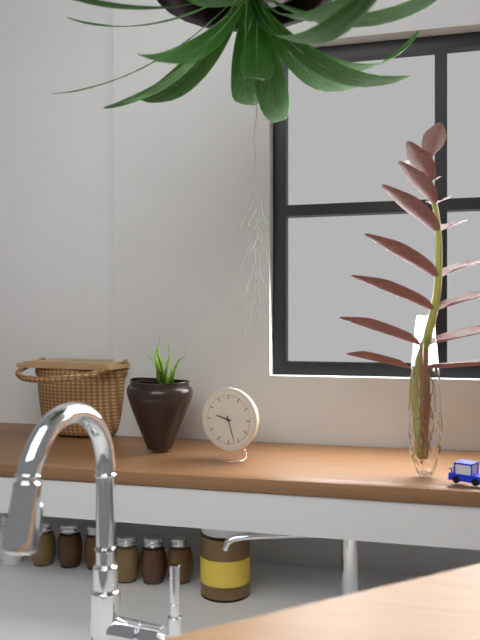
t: 9:27
